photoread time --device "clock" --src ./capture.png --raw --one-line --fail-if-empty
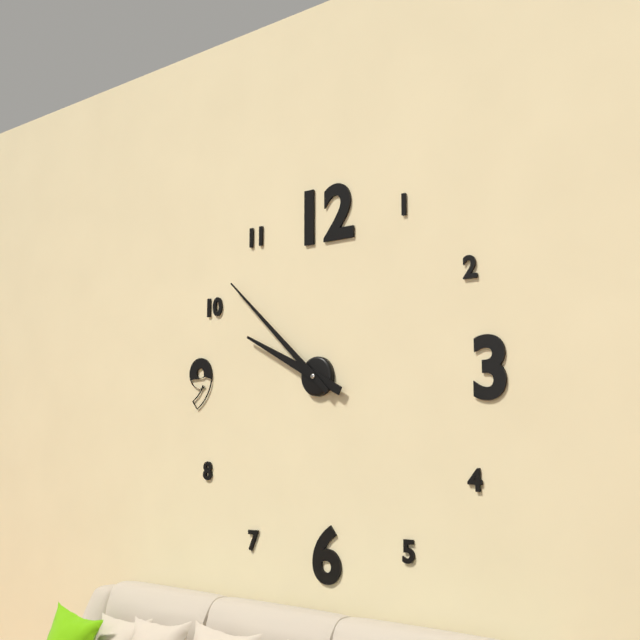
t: 9:52
